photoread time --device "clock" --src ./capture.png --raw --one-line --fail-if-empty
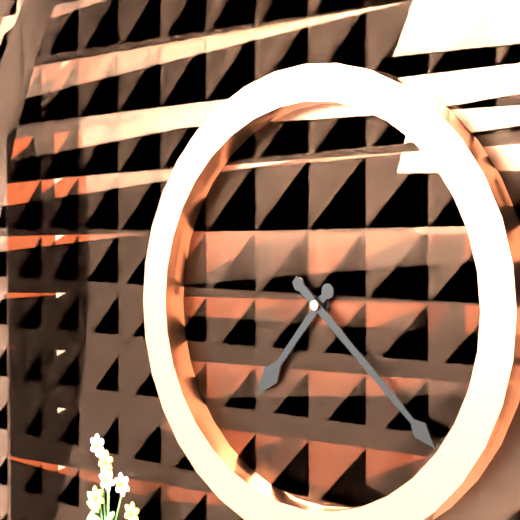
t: 7:22
